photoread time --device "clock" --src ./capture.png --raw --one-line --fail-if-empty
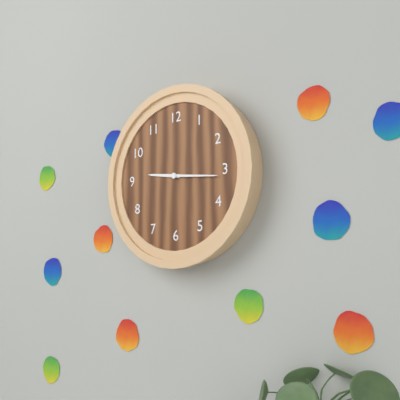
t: 9:16
